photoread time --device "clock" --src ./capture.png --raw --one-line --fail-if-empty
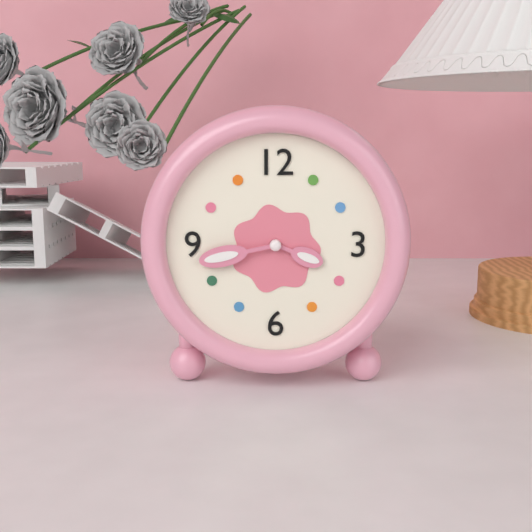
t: 3:43
